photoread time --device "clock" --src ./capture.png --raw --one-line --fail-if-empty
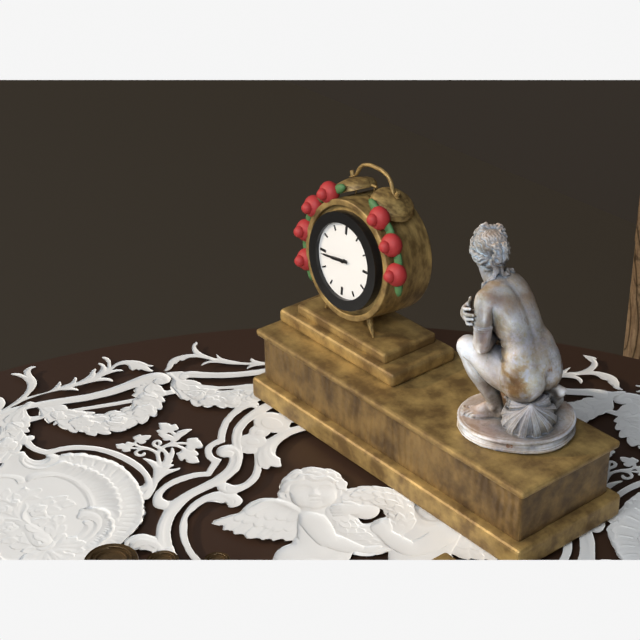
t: 8:44
